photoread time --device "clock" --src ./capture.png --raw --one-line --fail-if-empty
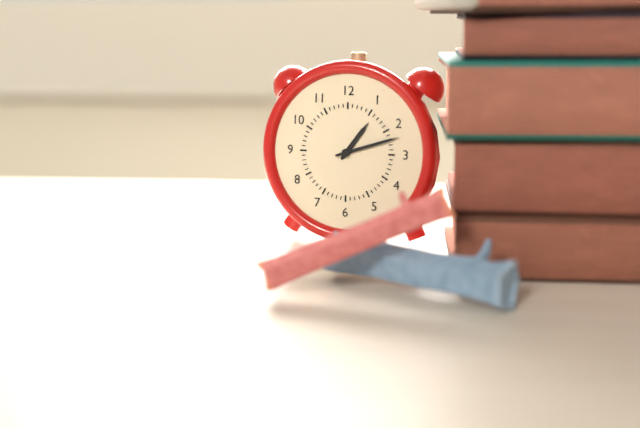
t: 1:12
